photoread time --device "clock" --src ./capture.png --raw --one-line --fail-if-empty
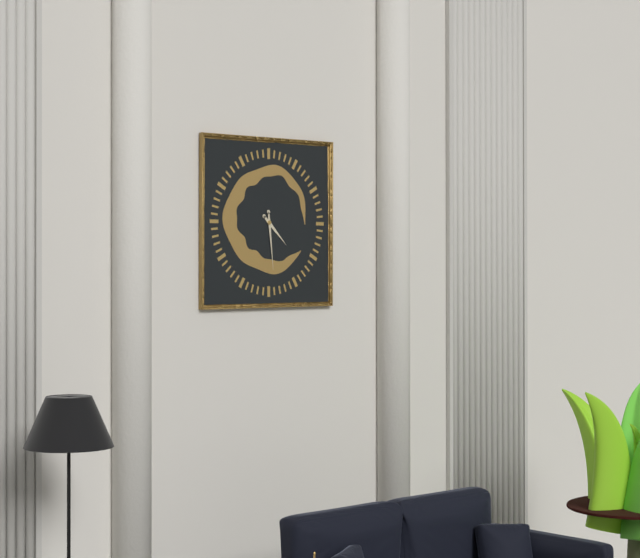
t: 4:29
